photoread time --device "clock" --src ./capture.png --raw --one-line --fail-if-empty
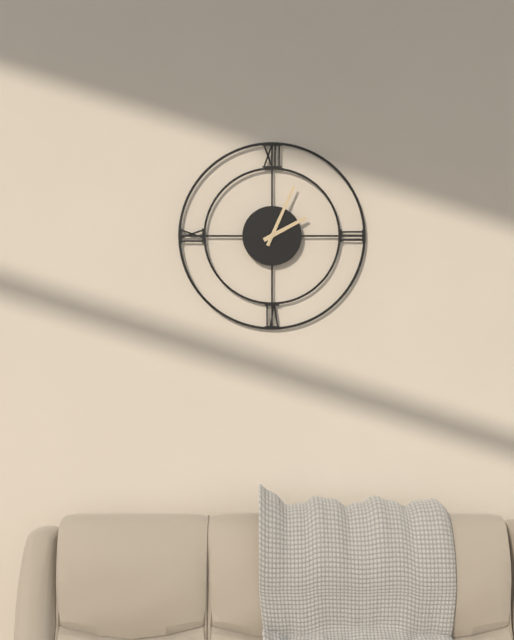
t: 2:04
